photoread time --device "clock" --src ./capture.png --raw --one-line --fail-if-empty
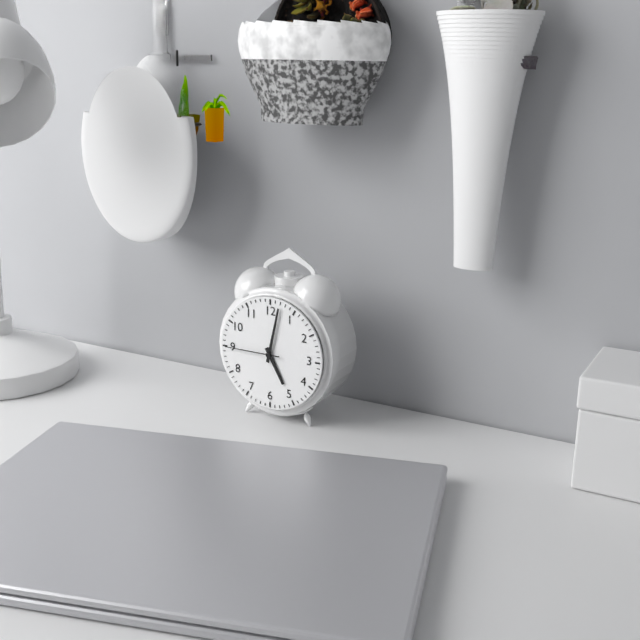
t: 5:02:45
